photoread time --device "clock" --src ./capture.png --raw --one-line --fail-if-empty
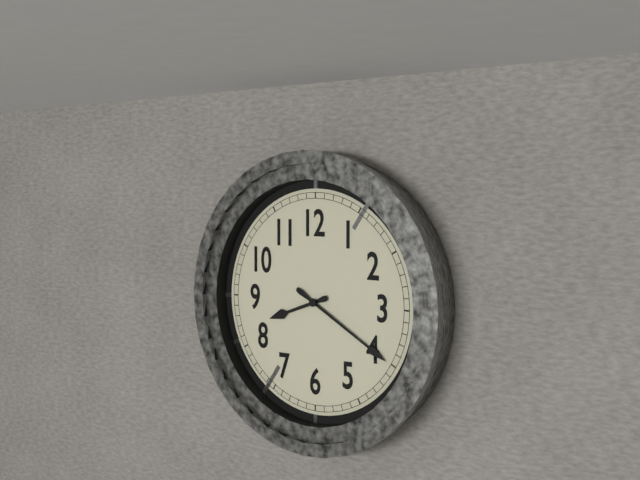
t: 8:20
